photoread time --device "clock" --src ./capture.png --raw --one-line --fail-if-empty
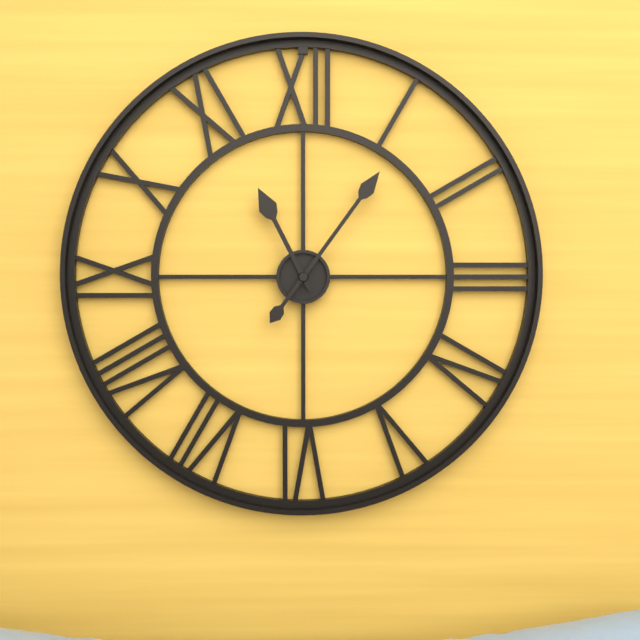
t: 11:06
